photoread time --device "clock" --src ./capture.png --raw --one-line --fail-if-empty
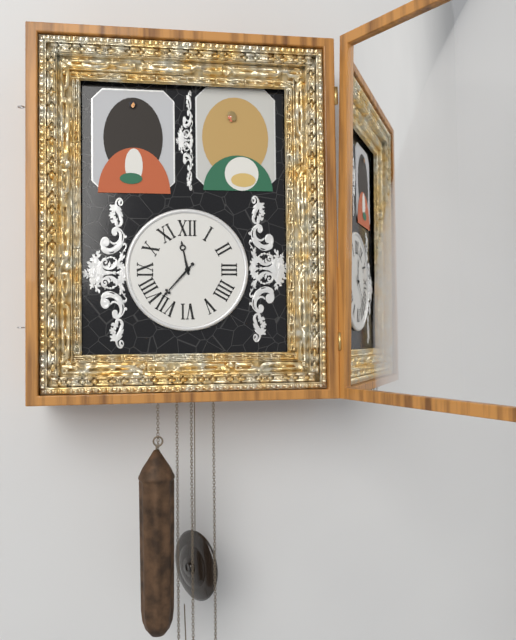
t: 11:37
